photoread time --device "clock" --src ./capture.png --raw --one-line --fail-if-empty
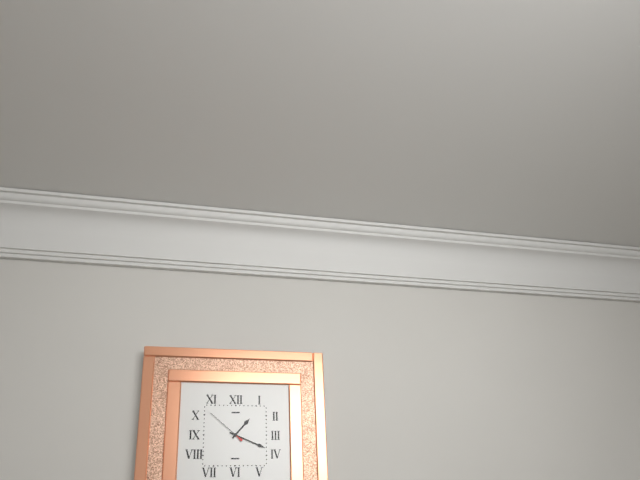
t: 1:19
